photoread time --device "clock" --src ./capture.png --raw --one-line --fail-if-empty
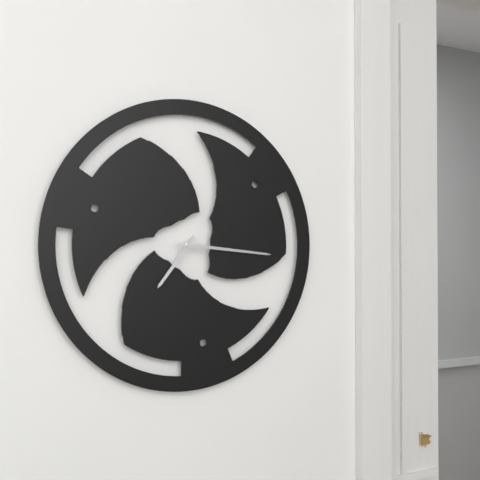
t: 7:16
